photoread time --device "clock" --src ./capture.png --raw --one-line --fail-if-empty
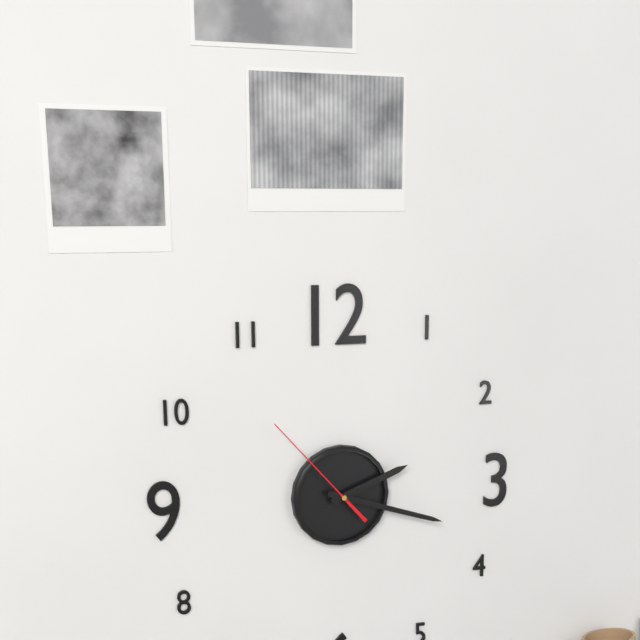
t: 2:18:53
